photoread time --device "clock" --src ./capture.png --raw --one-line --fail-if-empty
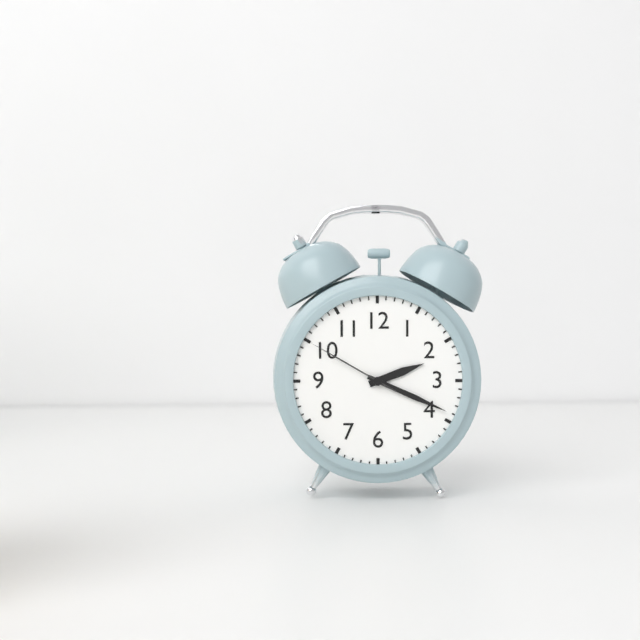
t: 2:19:50
